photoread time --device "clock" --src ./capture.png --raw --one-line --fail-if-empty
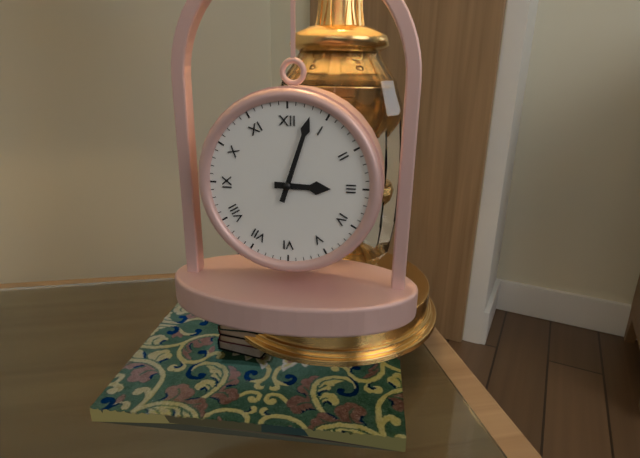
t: 3:03
